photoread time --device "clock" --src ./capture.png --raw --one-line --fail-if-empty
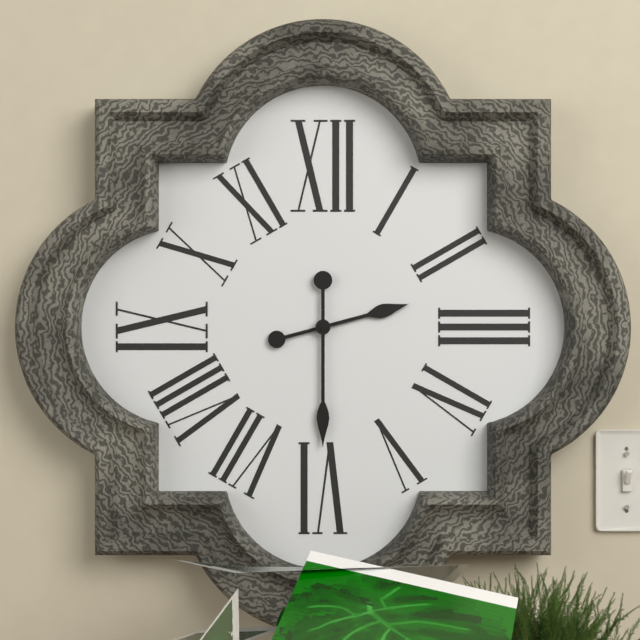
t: 2:30
